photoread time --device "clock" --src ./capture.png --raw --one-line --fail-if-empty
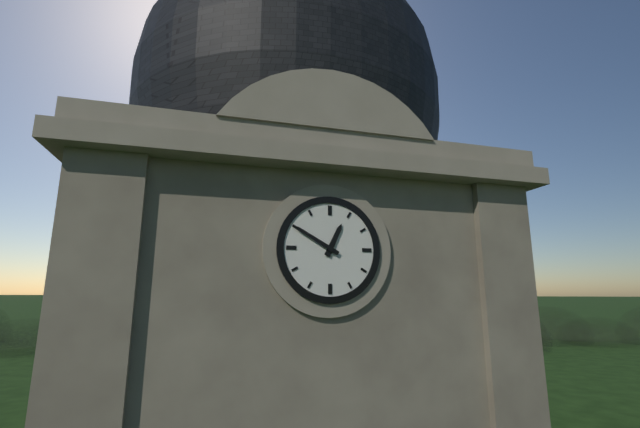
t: 12:50
